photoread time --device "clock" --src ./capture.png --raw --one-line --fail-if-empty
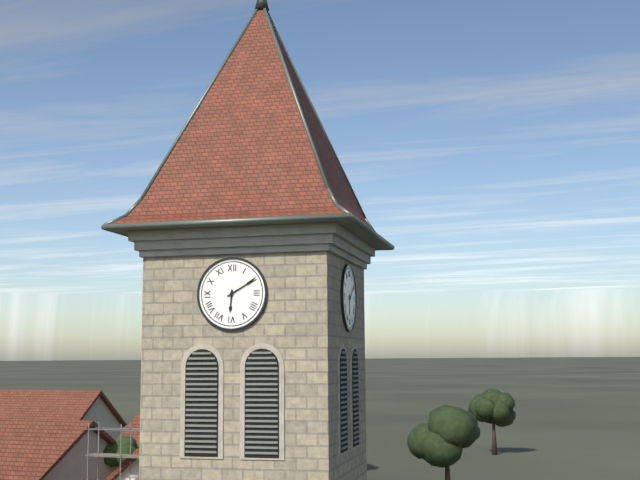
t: 6:10
